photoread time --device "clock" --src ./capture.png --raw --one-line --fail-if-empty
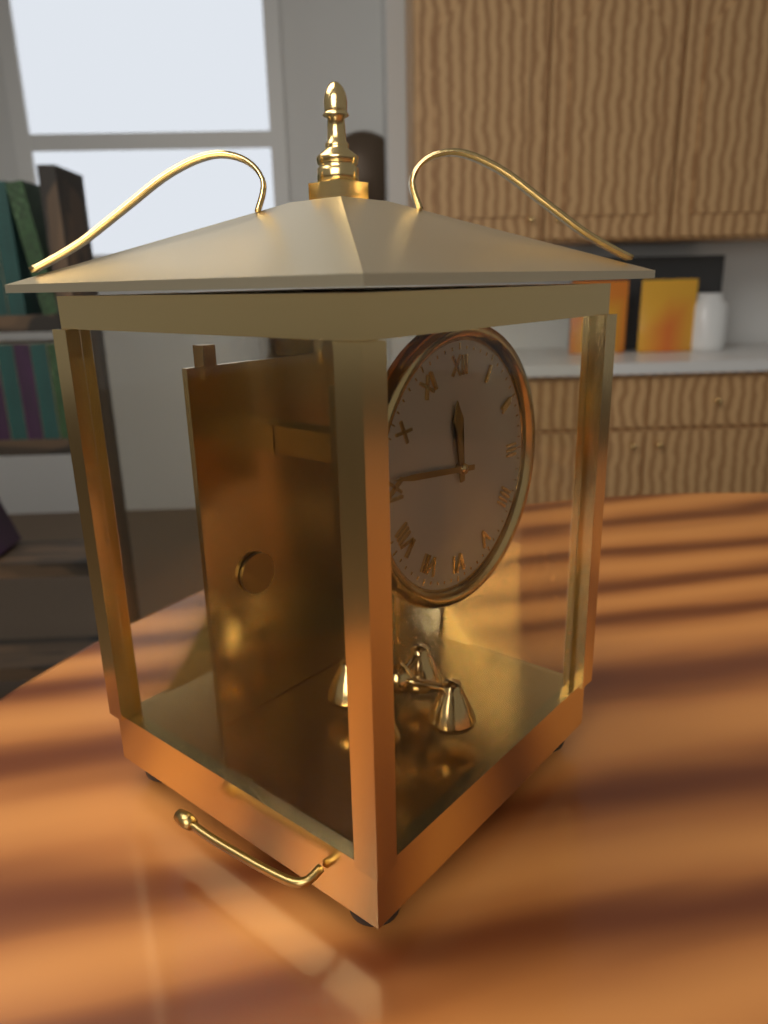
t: 11:46
